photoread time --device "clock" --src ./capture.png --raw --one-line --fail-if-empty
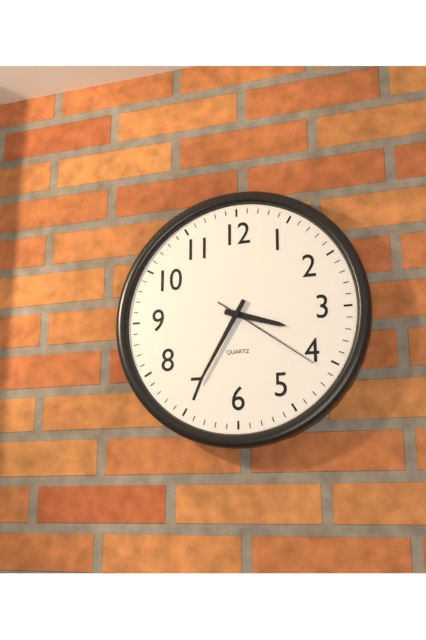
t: 3:35:21
